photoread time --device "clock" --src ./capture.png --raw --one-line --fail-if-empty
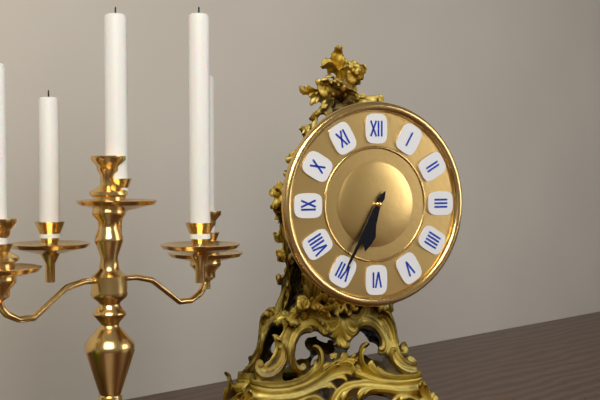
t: 6:35
